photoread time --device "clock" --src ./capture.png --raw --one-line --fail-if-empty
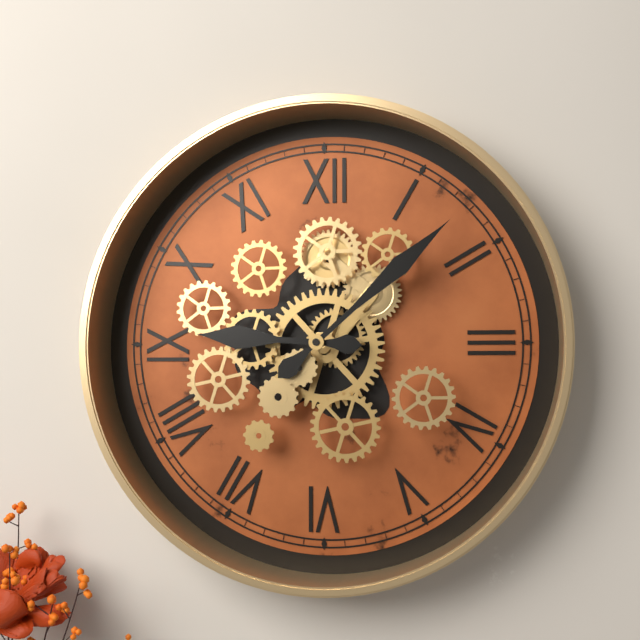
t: 9:08
